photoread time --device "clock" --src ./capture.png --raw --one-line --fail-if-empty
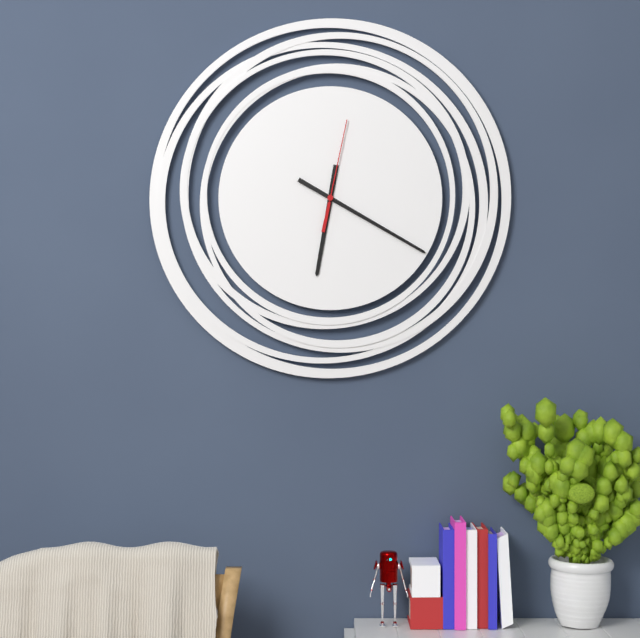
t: 6:20:02
